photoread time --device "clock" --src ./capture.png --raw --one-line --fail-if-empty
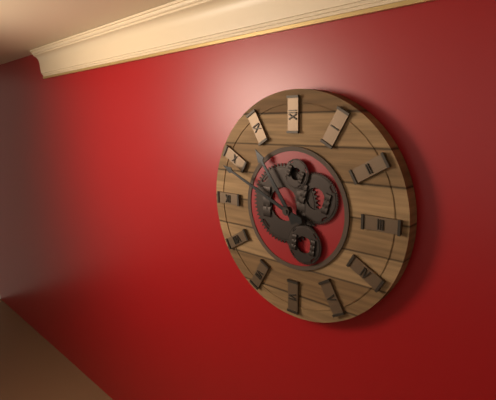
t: 10:49
